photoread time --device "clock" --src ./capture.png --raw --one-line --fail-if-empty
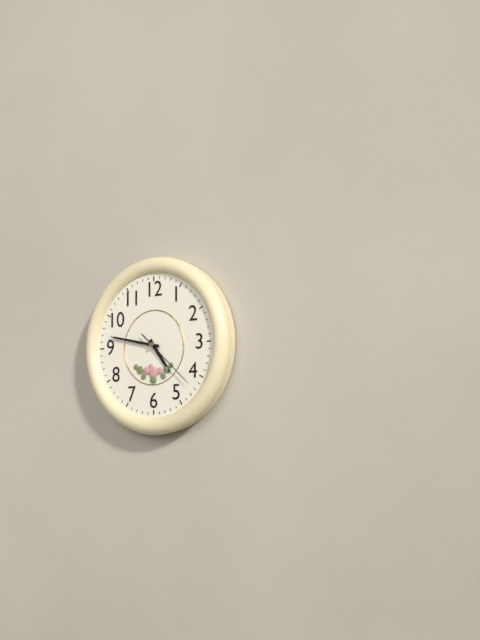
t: 4:47:22
